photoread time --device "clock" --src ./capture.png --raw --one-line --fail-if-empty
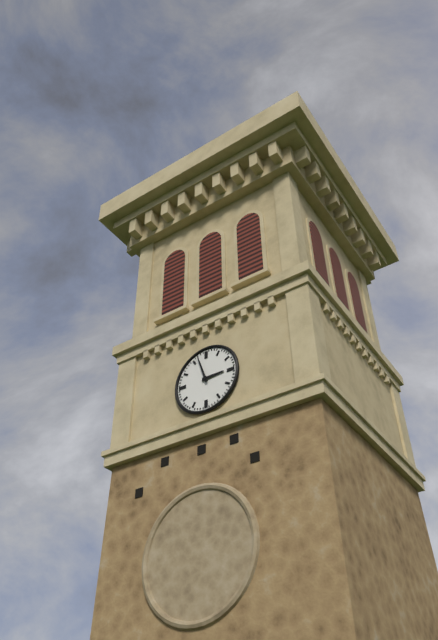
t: 2:57
